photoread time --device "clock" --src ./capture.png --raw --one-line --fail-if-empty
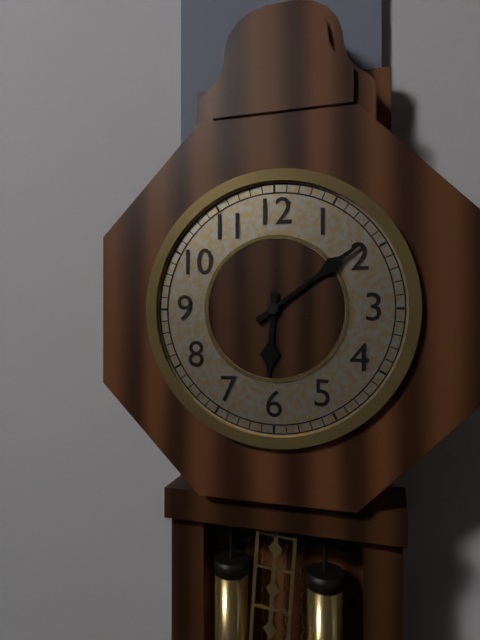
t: 6:09
